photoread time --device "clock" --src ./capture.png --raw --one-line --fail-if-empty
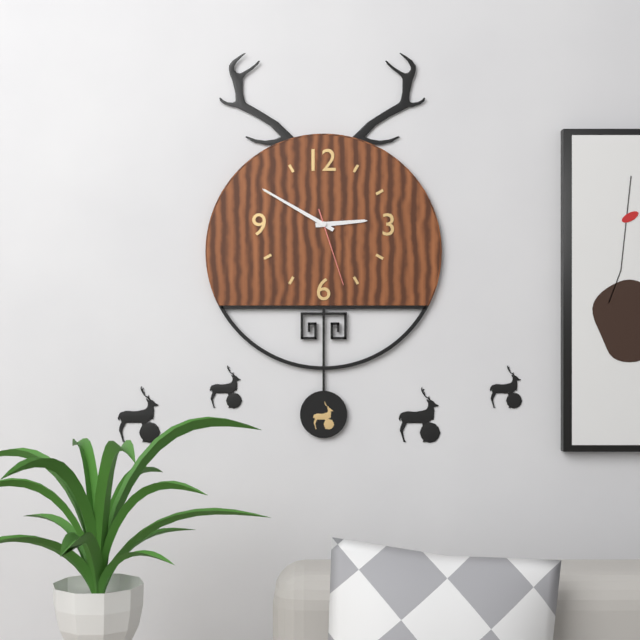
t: 2:50:27
